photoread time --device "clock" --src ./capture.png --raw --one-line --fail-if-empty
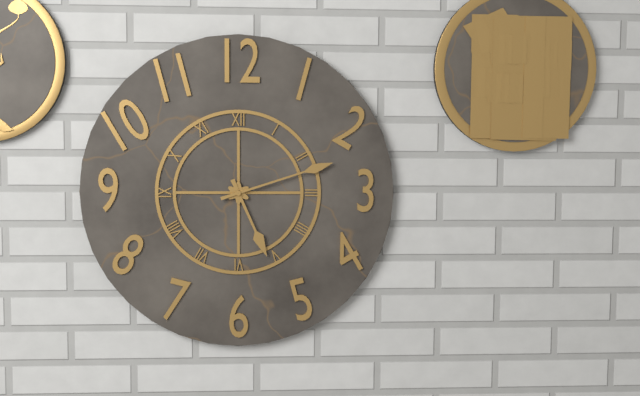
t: 5:12
